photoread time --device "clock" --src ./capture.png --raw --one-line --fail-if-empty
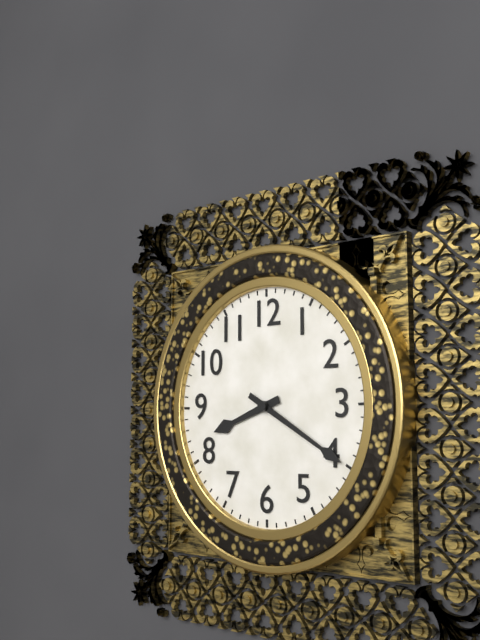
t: 8:20
